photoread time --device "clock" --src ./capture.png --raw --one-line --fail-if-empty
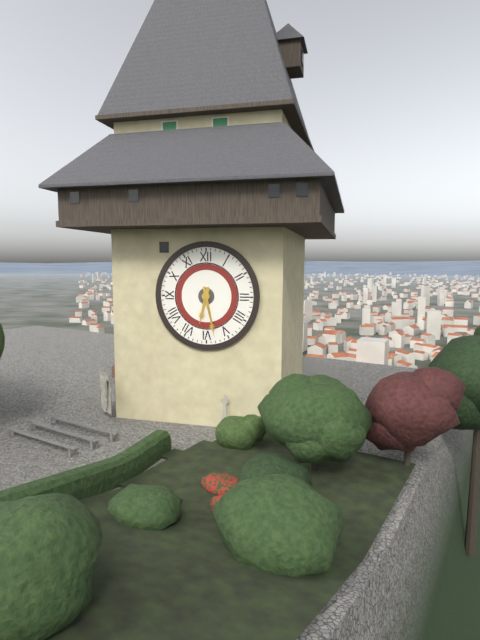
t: 6:28
